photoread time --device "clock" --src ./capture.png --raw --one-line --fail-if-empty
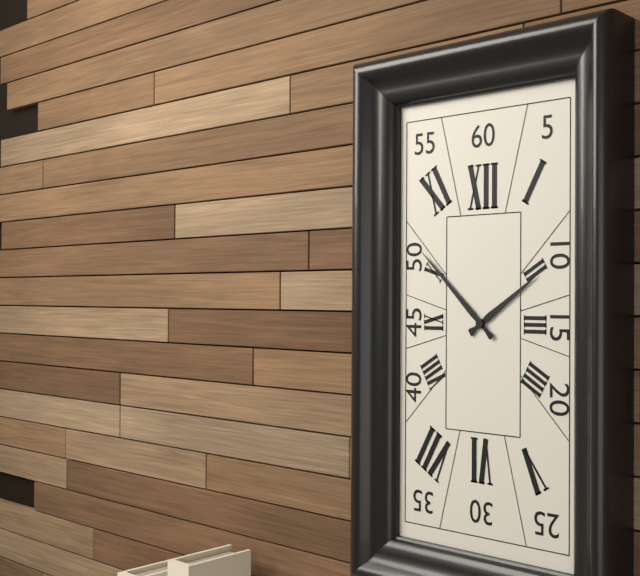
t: 1:52
